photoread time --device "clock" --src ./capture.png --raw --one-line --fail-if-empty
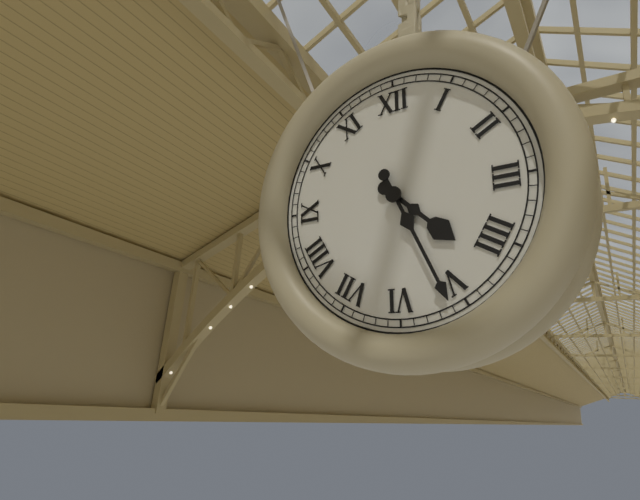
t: 4:26
